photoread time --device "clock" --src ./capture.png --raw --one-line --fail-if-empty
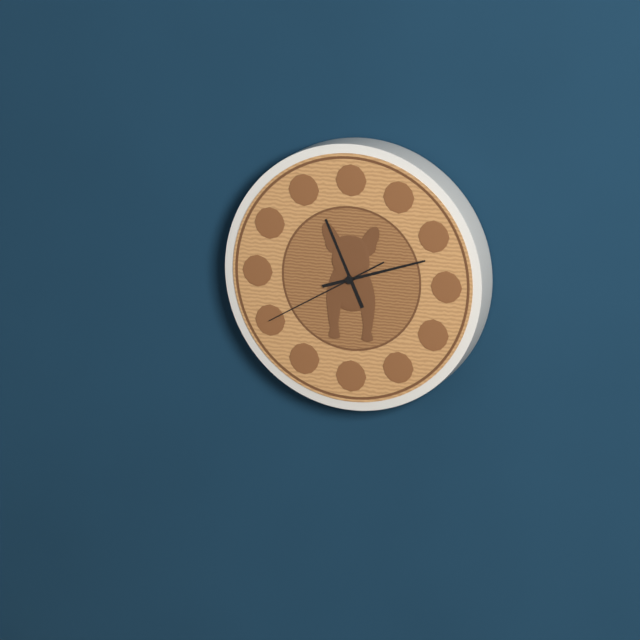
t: 11:12:40
